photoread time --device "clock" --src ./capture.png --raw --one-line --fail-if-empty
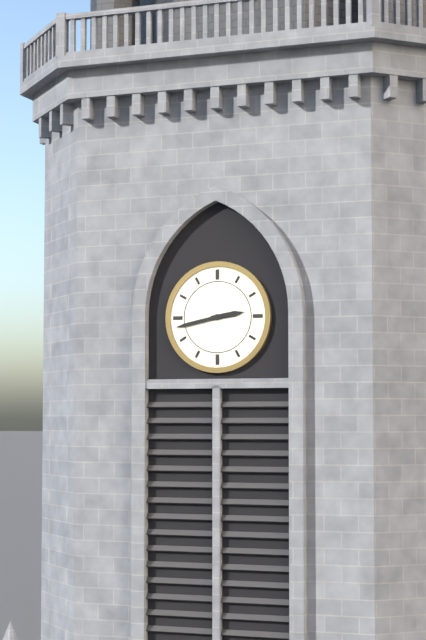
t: 2:43
